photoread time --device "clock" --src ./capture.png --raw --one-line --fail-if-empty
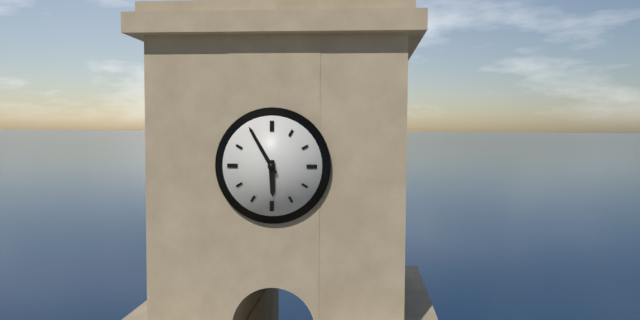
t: 5:55
